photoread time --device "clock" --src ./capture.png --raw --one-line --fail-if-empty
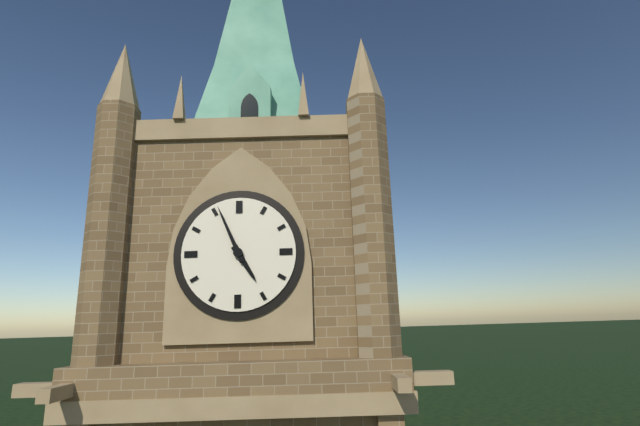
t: 4:56
